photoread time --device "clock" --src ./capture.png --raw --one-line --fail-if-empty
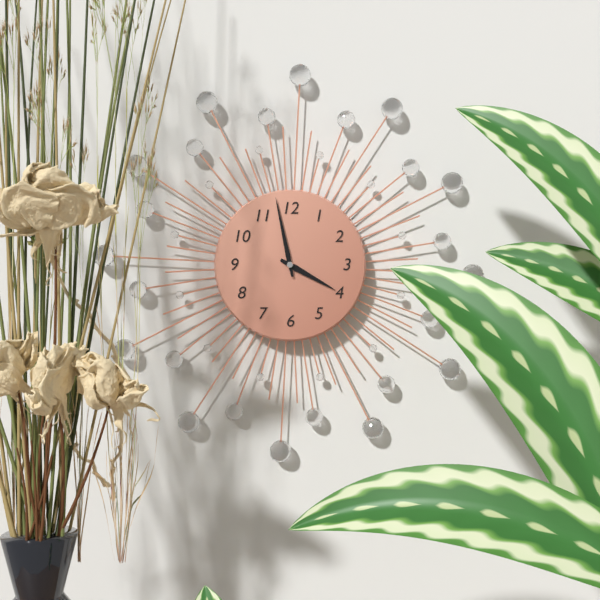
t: 3:58
